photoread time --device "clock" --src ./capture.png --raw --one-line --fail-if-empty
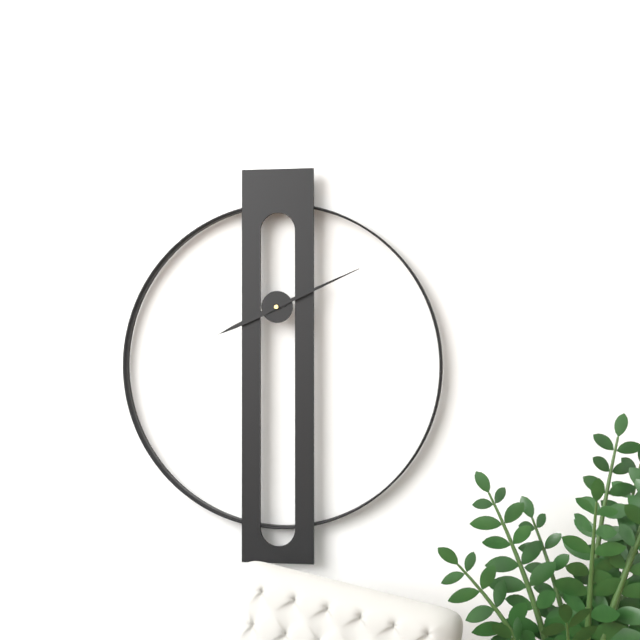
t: 8:11
